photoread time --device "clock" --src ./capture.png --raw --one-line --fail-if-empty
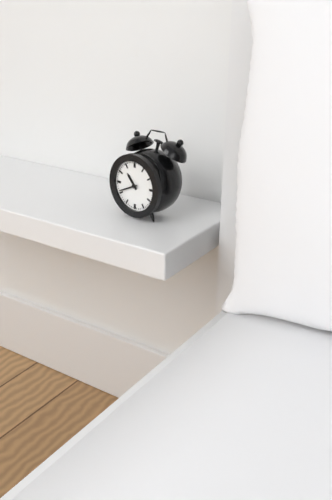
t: 10:41
